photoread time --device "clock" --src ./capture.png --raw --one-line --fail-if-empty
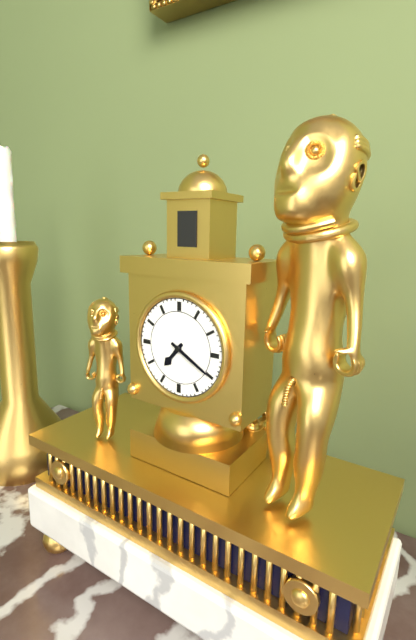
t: 7:20
